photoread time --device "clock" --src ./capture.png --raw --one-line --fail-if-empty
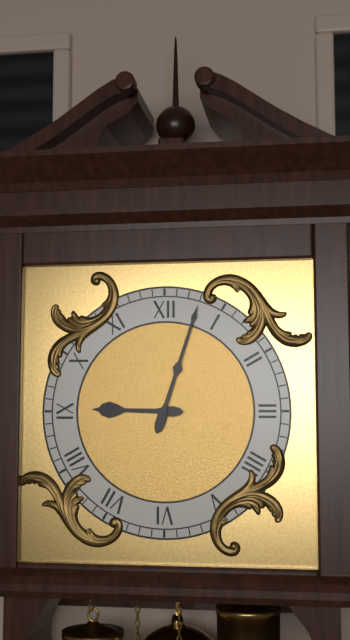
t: 9:03
